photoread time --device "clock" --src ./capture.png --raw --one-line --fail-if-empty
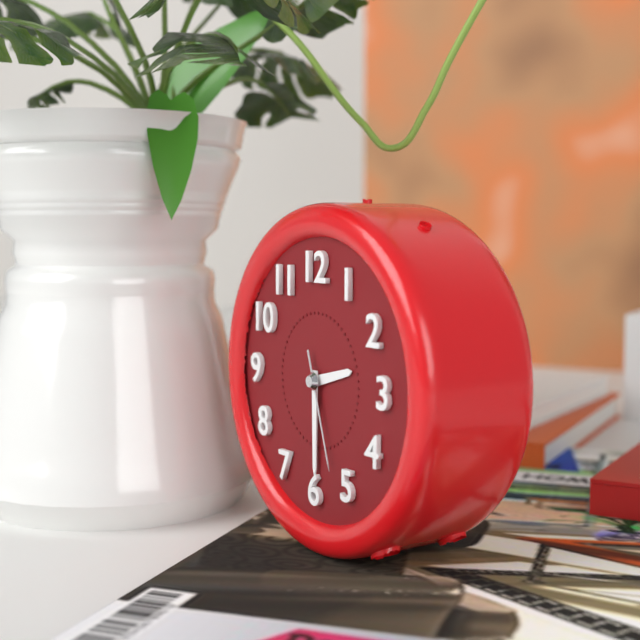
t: 2:30:27
